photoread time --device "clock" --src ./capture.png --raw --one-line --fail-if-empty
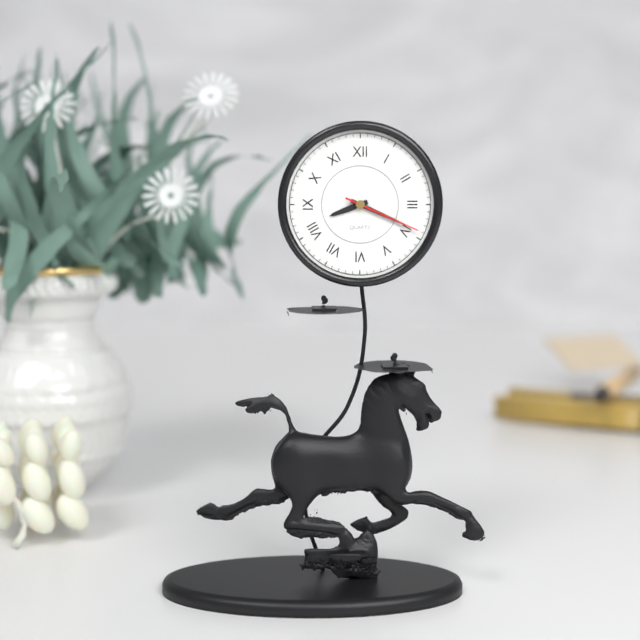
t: 8:19:19
